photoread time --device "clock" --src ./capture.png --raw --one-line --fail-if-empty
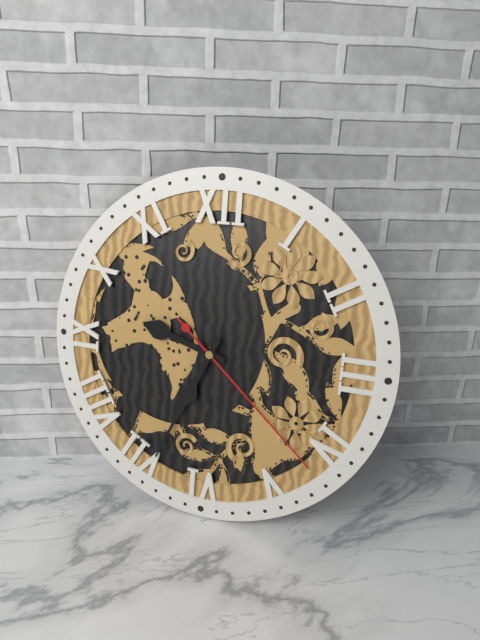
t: 9:34:22
